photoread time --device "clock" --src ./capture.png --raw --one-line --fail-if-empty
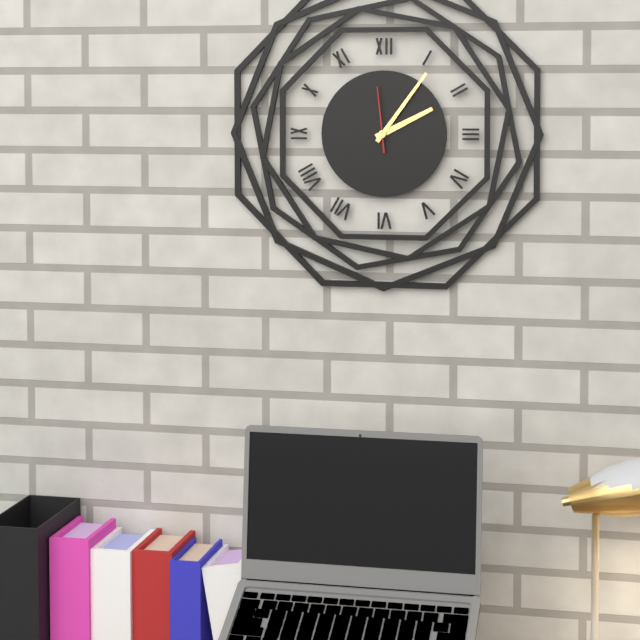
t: 2:06:59
